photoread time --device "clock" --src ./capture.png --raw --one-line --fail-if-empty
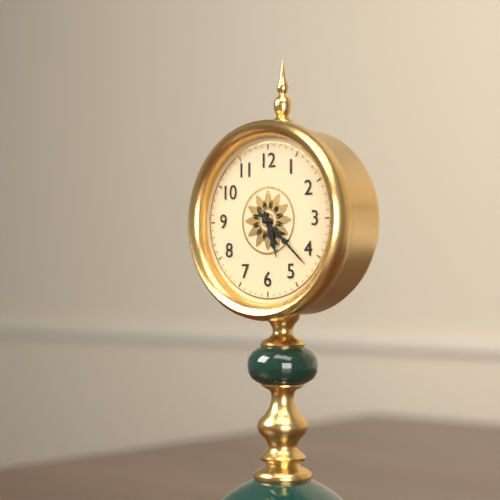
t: 5:22
